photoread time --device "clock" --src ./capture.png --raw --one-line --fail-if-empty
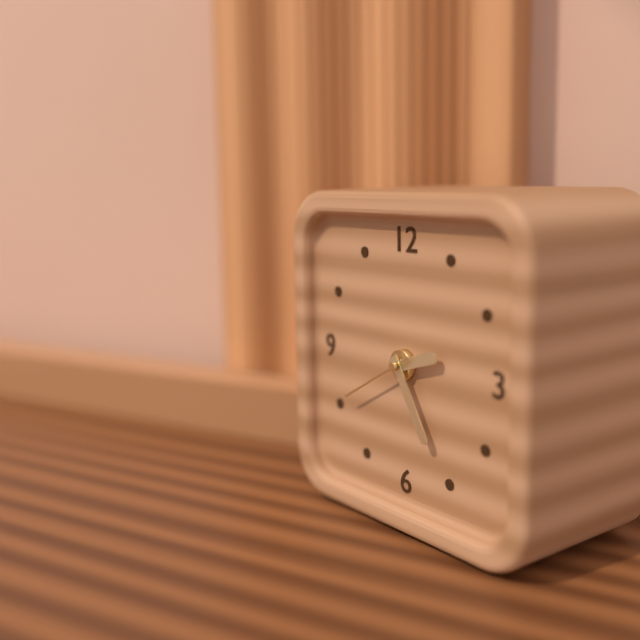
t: 2:25:40
